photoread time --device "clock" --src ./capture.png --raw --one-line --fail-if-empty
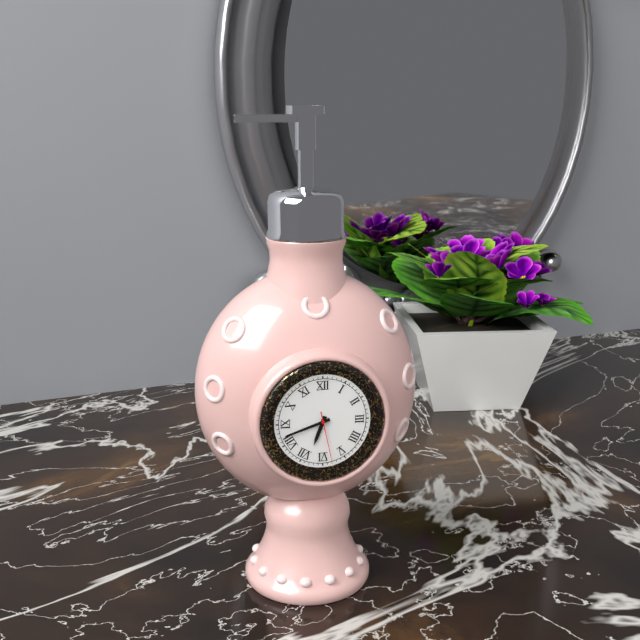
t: 6:42:28
